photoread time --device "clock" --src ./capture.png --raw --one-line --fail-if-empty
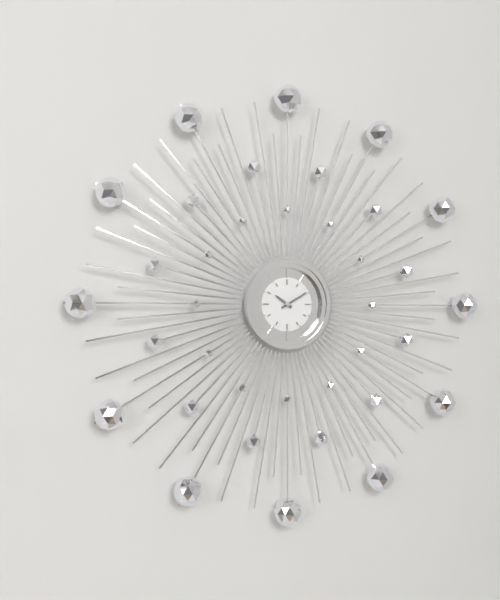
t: 10:10
